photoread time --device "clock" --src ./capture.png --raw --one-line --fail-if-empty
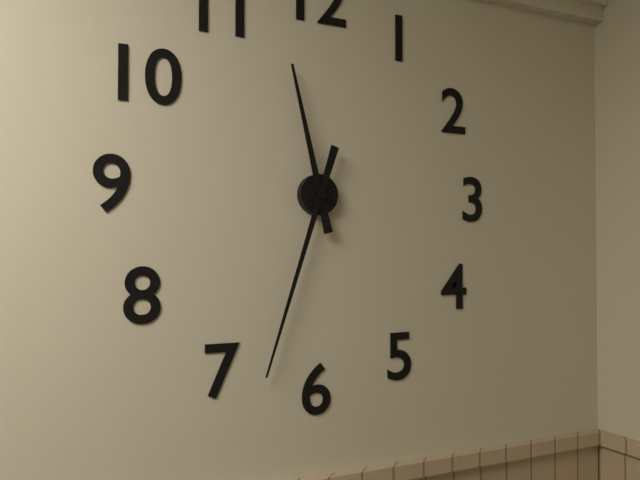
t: 11:33
